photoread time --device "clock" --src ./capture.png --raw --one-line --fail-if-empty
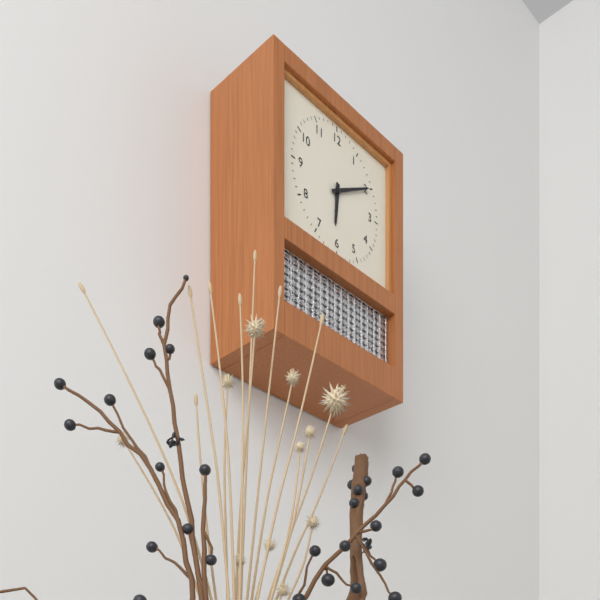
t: 6:10
